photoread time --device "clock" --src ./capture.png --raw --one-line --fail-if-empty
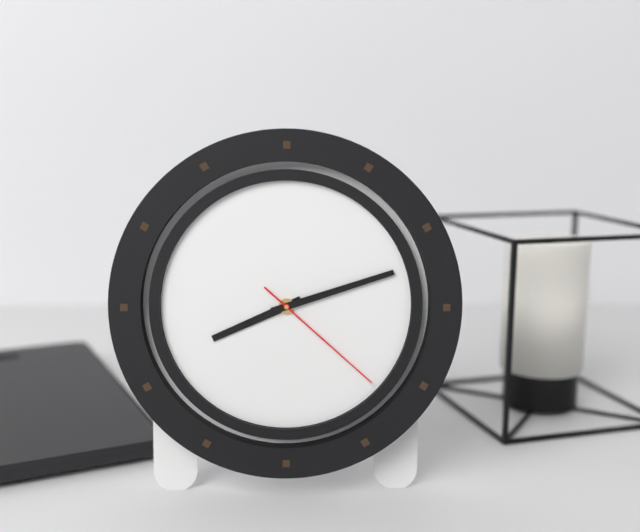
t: 8:12:22
